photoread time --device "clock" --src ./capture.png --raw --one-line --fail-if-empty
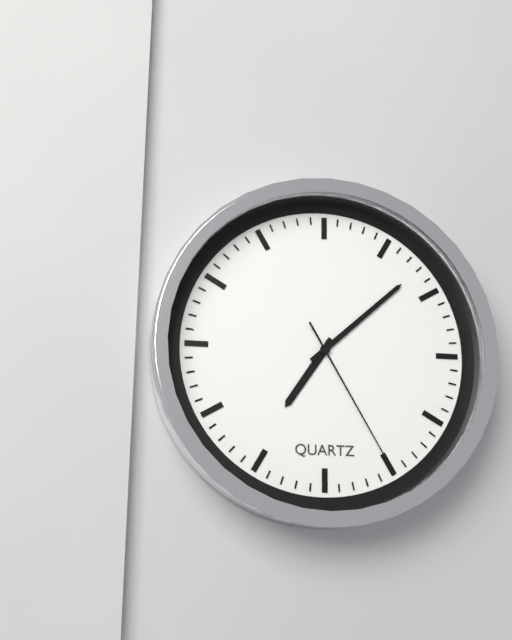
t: 7:08:25
